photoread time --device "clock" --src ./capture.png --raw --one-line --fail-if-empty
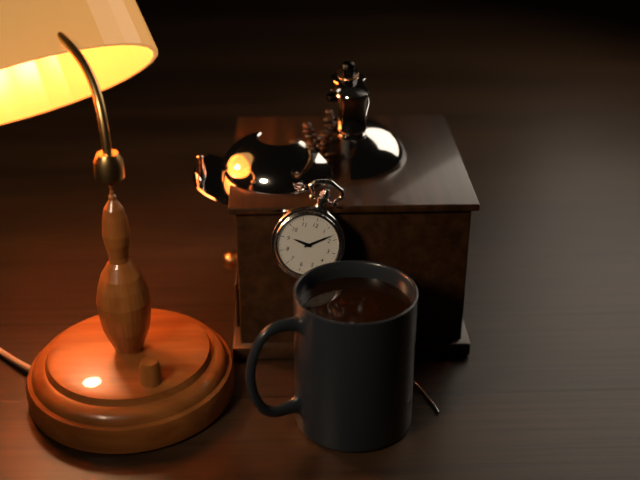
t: 9:08
